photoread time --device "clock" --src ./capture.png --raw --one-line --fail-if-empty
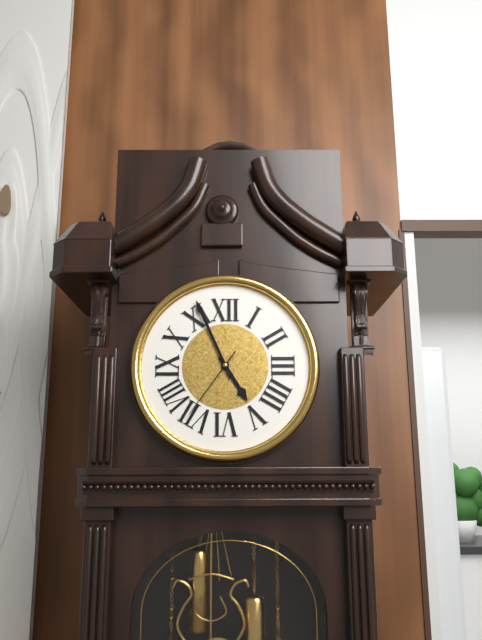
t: 4:56:36
